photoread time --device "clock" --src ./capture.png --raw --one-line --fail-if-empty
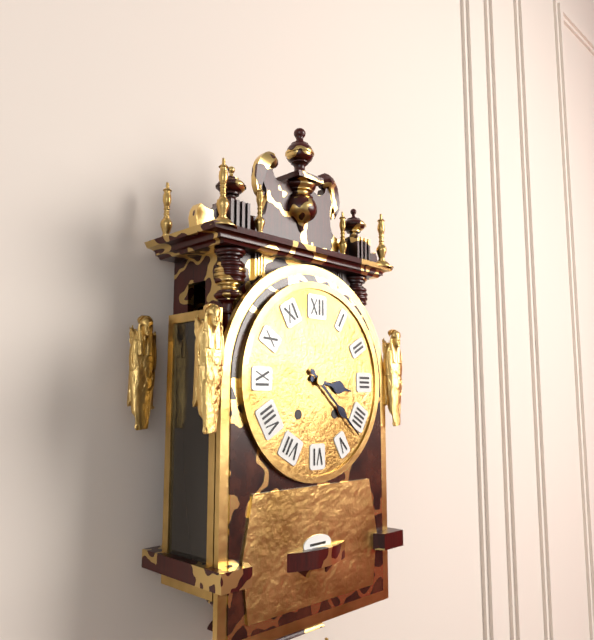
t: 3:22
